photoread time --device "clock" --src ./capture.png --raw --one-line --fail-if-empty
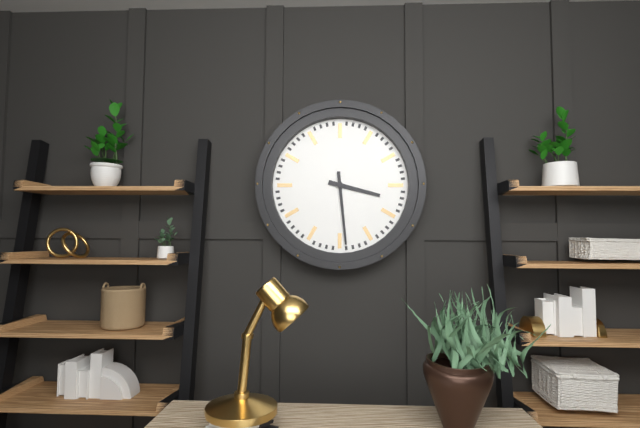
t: 3:29
